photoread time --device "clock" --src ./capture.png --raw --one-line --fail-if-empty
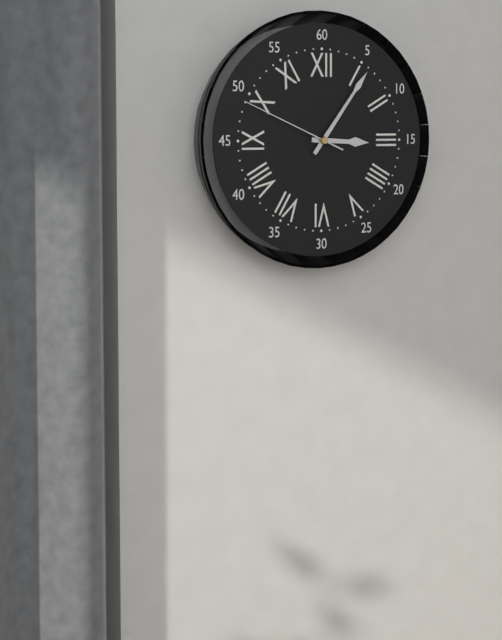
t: 3:06:49
